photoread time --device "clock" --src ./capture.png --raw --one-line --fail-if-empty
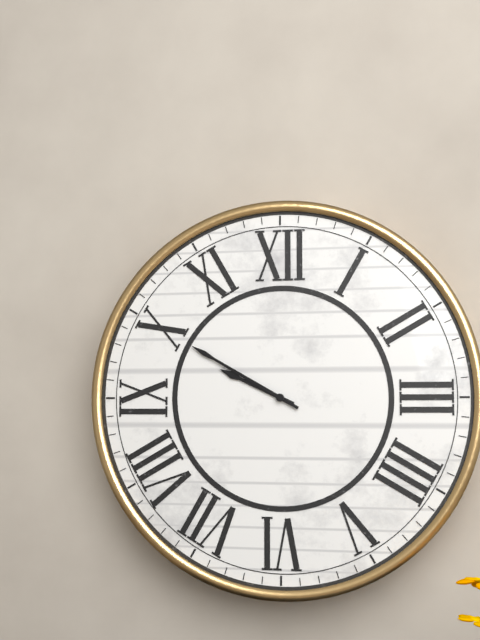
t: 9:50
